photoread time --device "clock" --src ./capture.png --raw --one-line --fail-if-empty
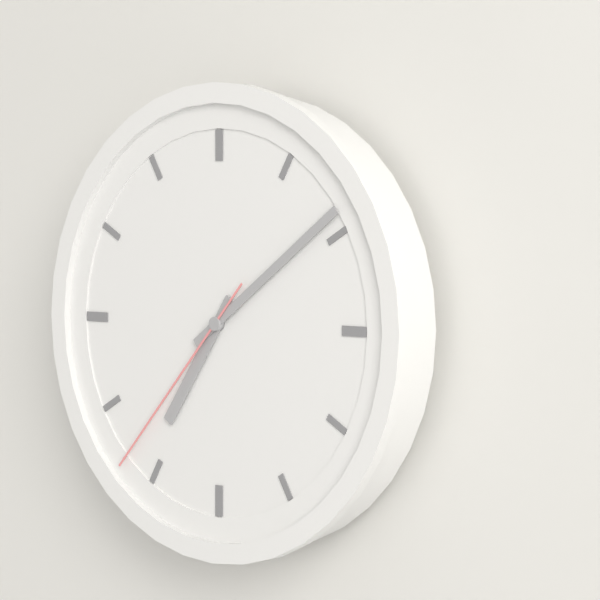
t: 7:09:37
